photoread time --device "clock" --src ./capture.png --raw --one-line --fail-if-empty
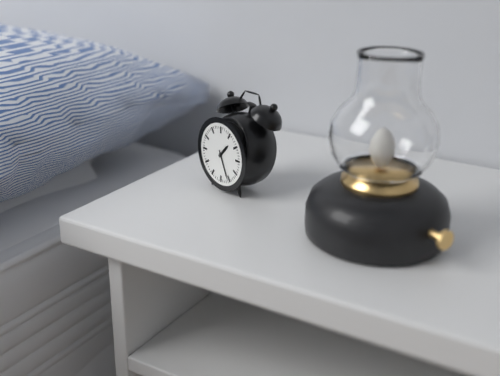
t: 1:26
